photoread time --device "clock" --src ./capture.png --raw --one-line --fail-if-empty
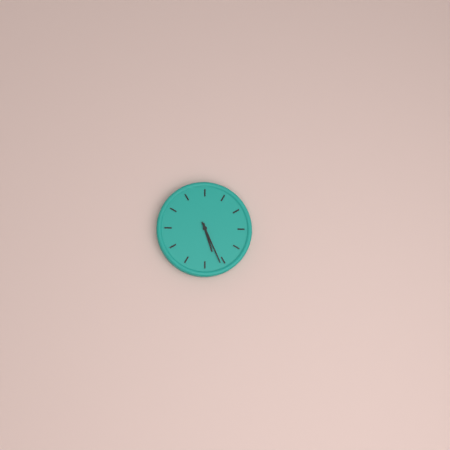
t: 5:26
